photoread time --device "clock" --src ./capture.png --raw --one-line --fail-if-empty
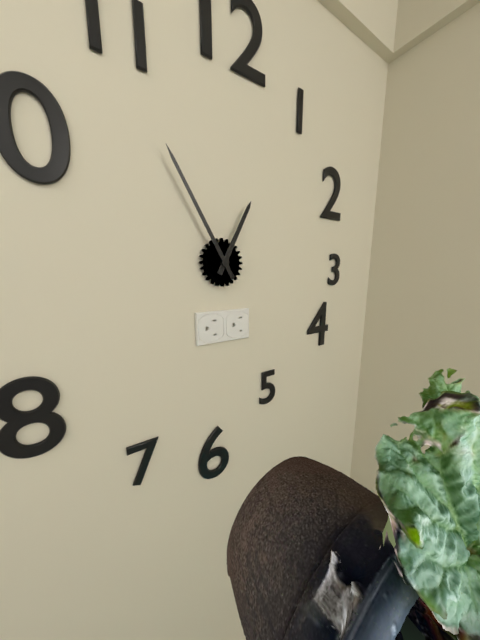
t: 12:55
